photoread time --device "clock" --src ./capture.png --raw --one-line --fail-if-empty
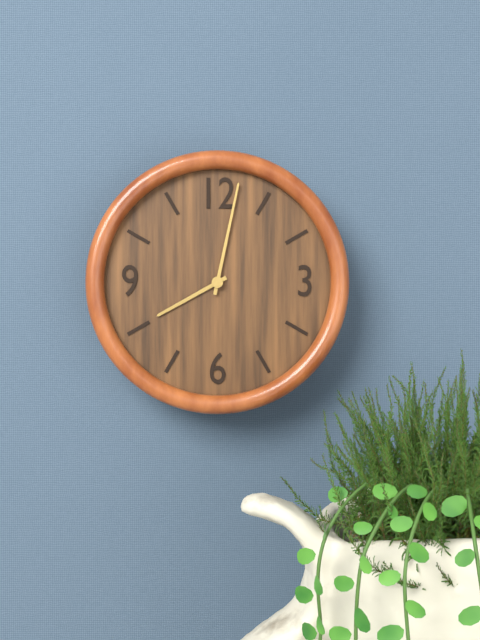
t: 8:02
